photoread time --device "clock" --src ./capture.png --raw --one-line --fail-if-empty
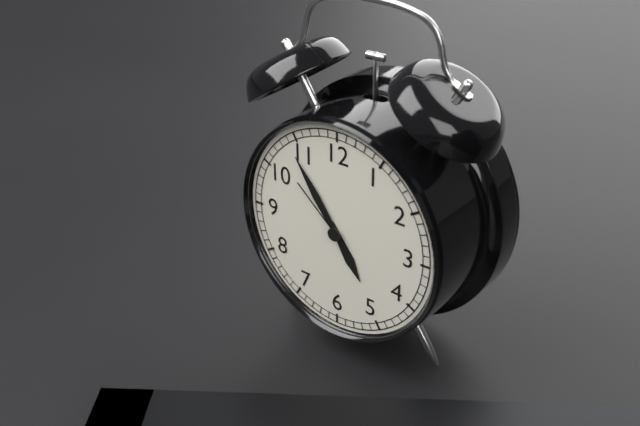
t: 4:54:52
